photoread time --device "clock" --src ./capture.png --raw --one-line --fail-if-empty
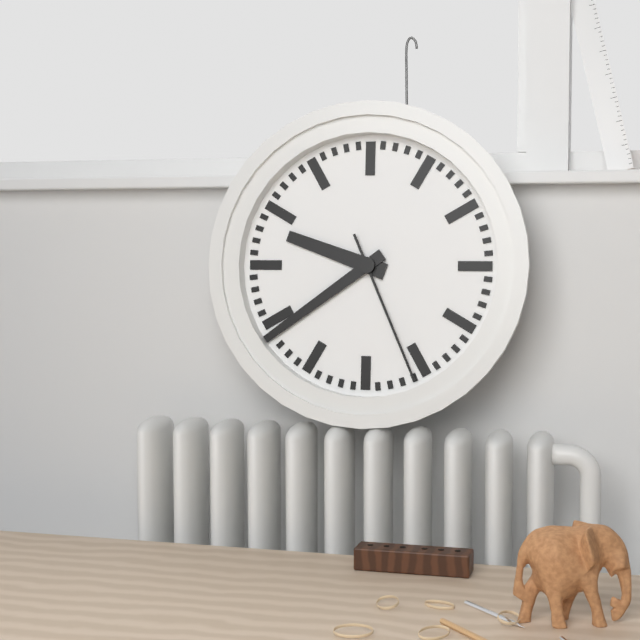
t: 9:39:26
